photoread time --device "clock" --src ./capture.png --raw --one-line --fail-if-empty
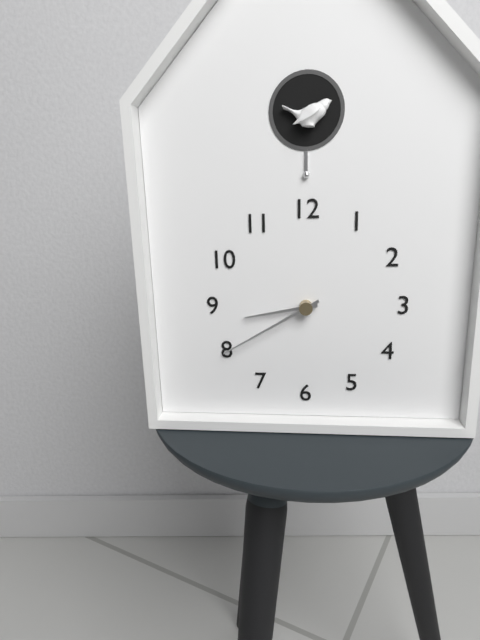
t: 8:40
